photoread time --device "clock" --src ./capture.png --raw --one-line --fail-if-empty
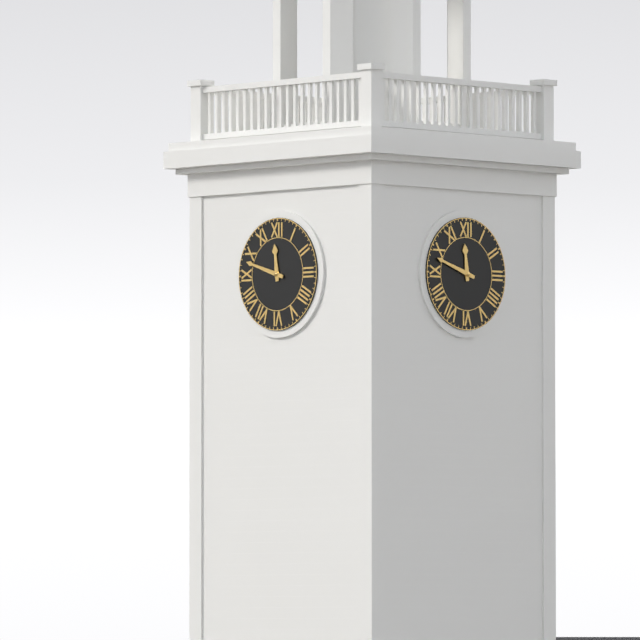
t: 11:48
